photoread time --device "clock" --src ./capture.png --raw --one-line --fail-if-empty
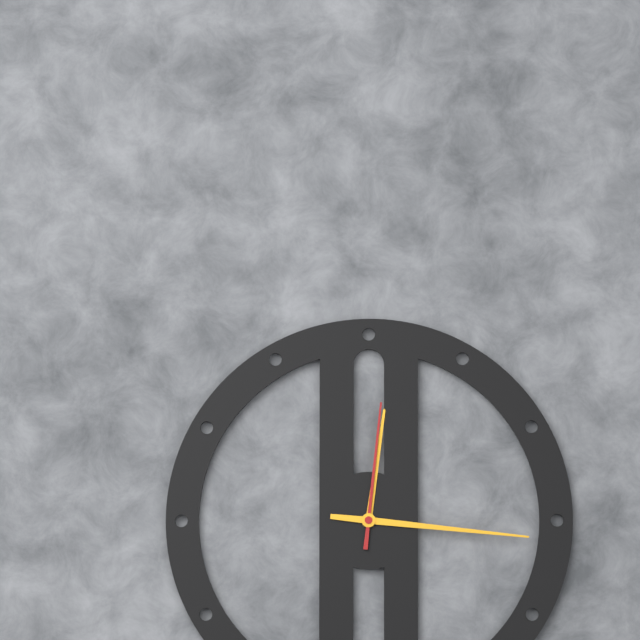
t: 12:16:01
